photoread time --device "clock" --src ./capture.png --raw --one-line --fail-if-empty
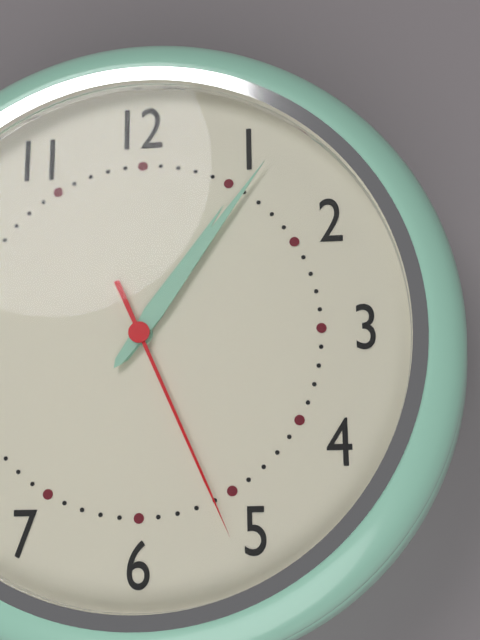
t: 1:06:26
